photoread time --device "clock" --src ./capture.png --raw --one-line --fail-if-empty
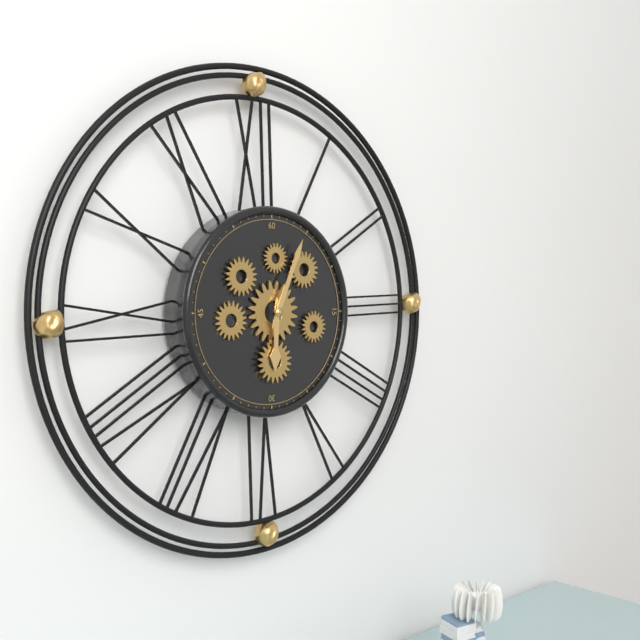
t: 6:04
